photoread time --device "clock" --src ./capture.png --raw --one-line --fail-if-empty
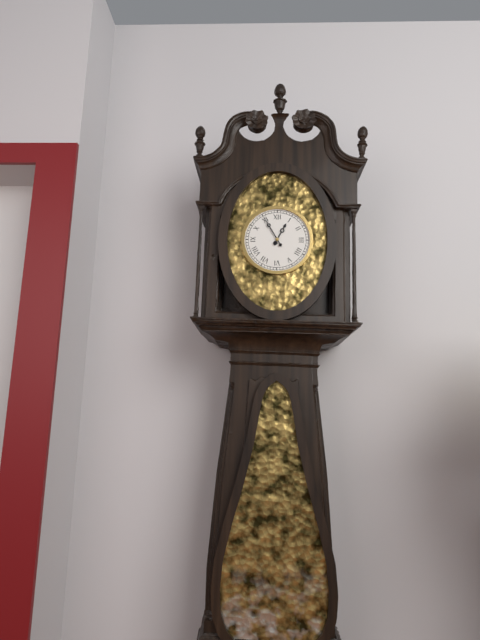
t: 12:55
